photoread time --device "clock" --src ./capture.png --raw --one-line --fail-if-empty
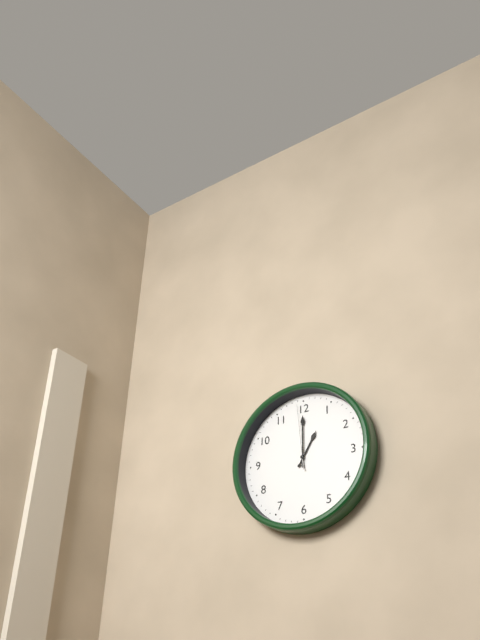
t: 1:00:59
